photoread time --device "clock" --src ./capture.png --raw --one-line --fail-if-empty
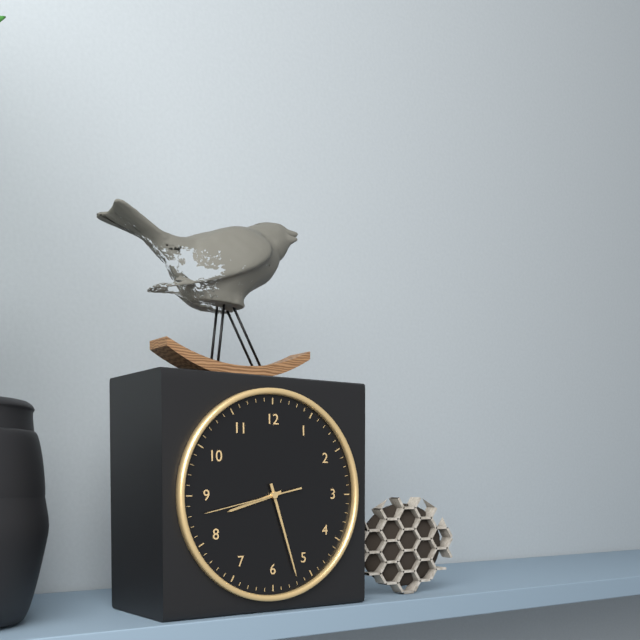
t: 8:27:43
